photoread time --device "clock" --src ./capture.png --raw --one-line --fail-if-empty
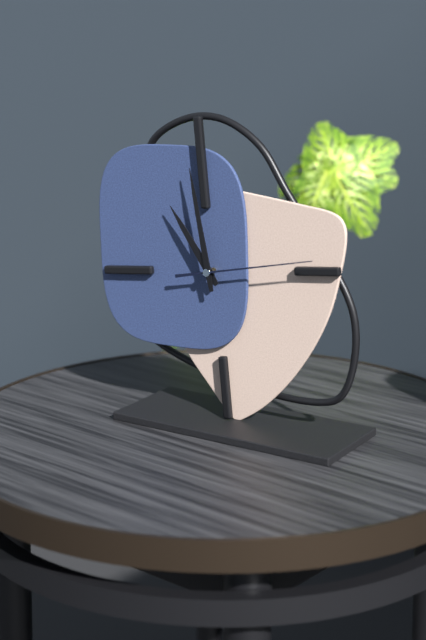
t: 10:59:14
